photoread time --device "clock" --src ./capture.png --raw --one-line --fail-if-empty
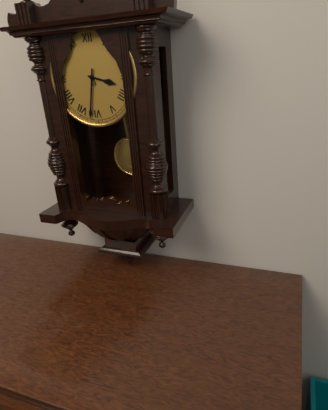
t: 3:32
